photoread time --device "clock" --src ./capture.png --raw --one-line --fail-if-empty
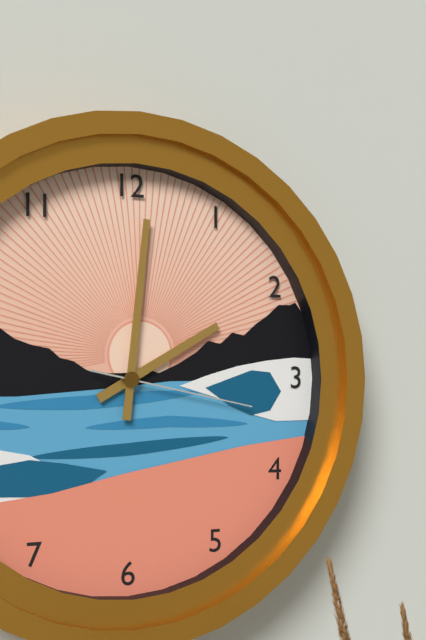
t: 2:01:17
